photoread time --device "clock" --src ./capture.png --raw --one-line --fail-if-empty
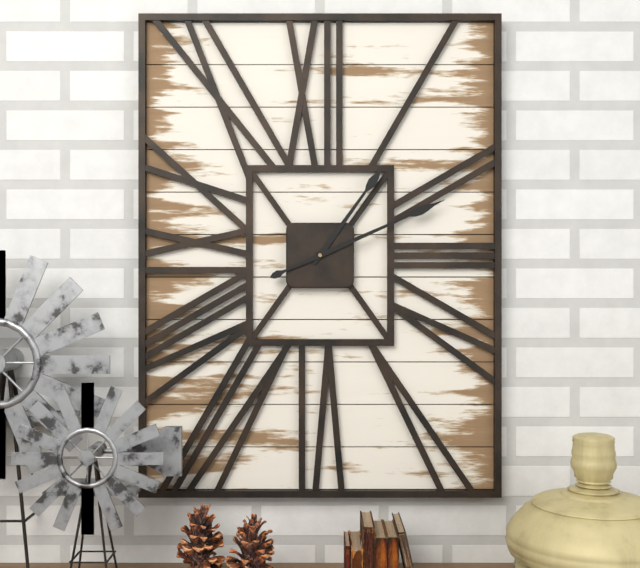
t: 1:11
